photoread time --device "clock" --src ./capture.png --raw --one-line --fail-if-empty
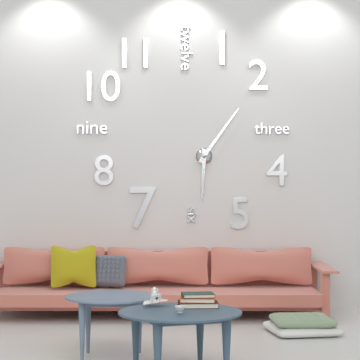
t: 6:06
